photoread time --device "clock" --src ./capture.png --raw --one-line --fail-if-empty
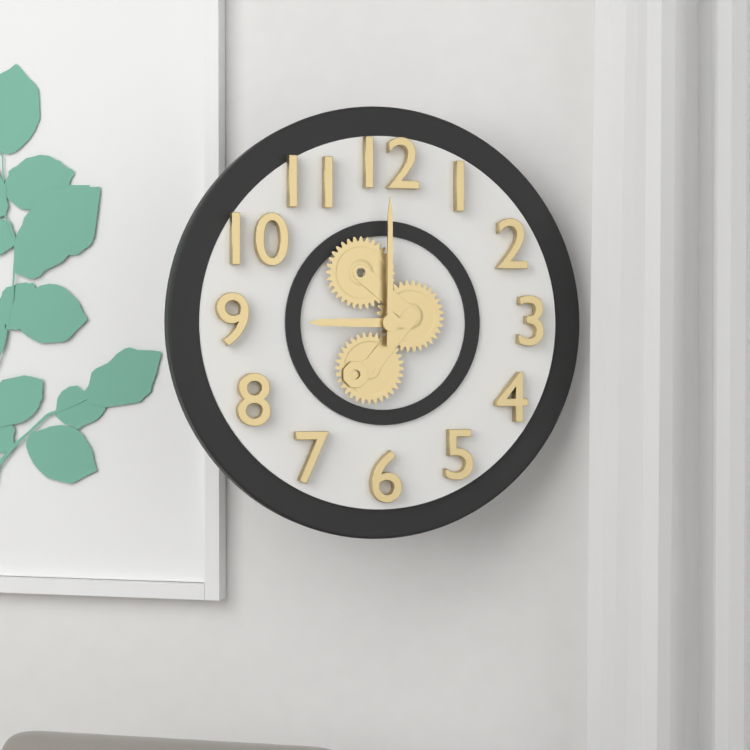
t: 9:00
